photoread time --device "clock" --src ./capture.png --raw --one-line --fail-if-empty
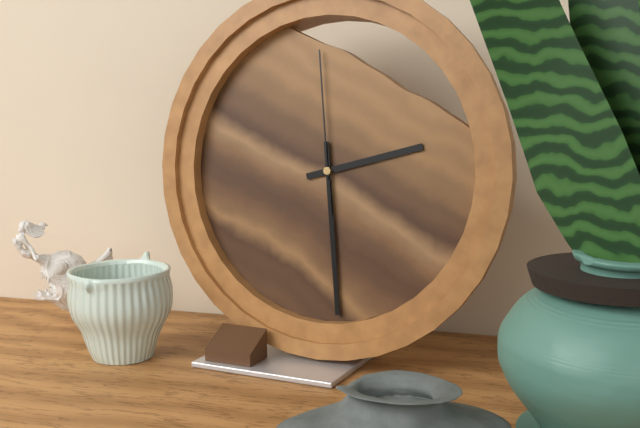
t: 2:29:59
